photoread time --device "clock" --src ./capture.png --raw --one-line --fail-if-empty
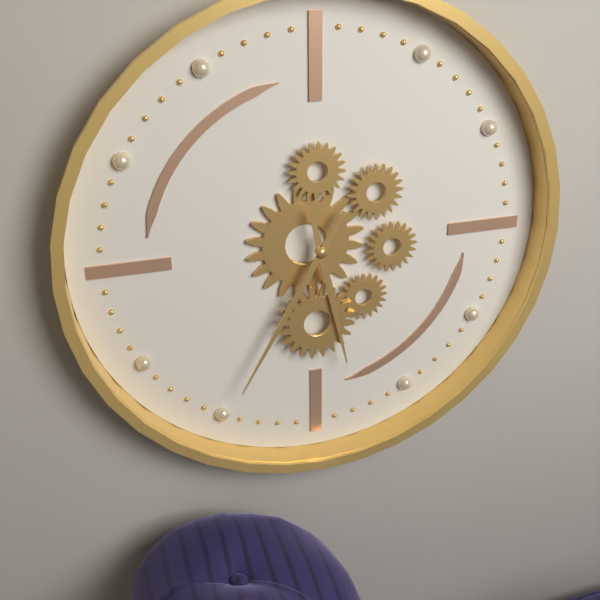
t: 5:35
